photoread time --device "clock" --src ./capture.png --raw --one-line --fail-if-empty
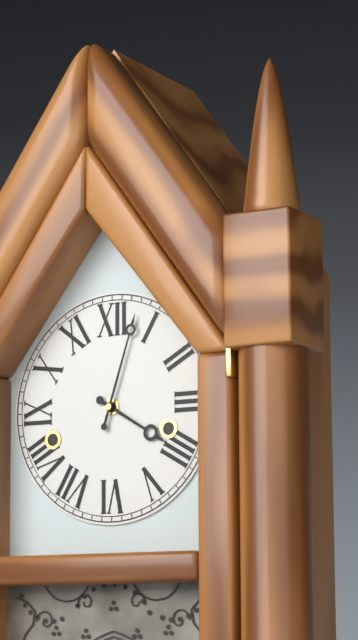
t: 4:03
